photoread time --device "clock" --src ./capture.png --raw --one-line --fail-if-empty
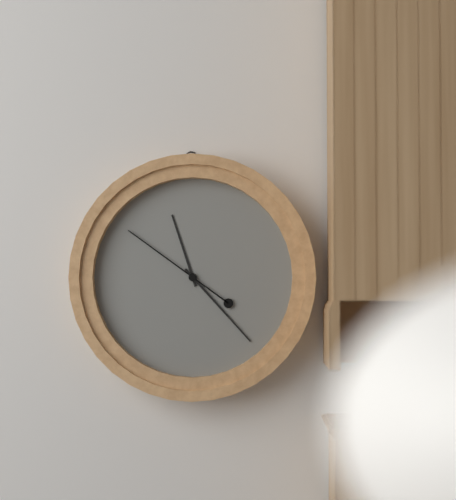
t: 11:23:51
